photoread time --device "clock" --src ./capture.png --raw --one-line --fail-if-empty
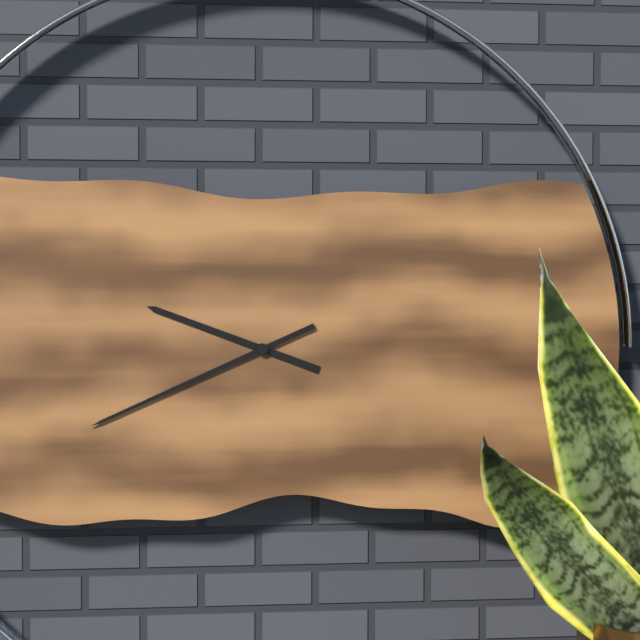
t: 9:41
